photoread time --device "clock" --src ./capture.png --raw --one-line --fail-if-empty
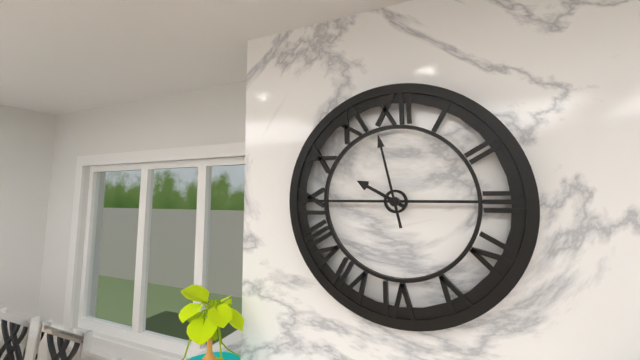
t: 9:58
